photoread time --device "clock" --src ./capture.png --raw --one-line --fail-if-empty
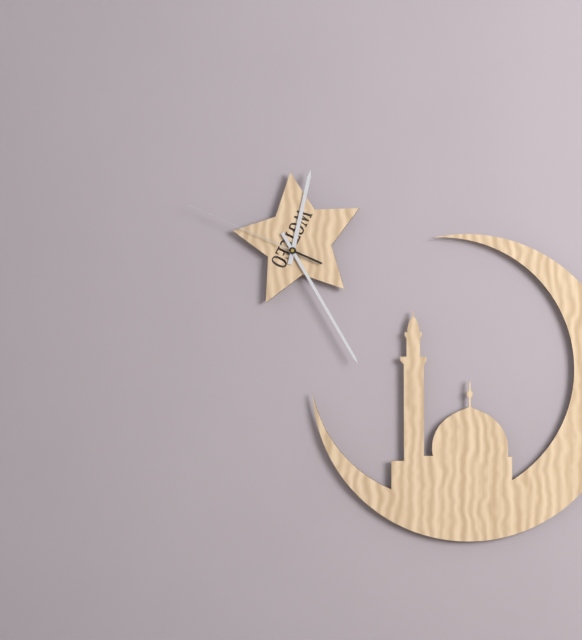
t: 12:25:49
